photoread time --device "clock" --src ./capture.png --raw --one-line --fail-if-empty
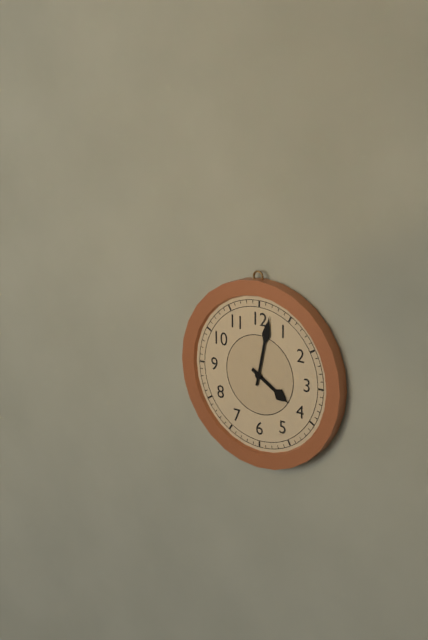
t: 4:02
